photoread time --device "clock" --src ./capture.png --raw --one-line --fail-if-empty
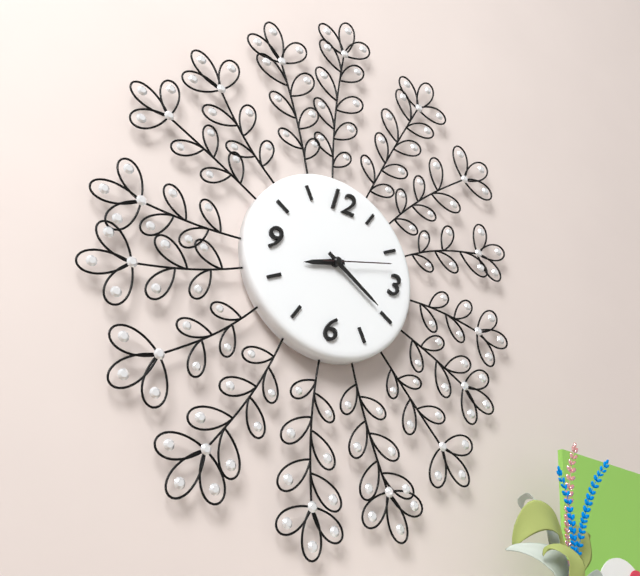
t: 8:20:12
